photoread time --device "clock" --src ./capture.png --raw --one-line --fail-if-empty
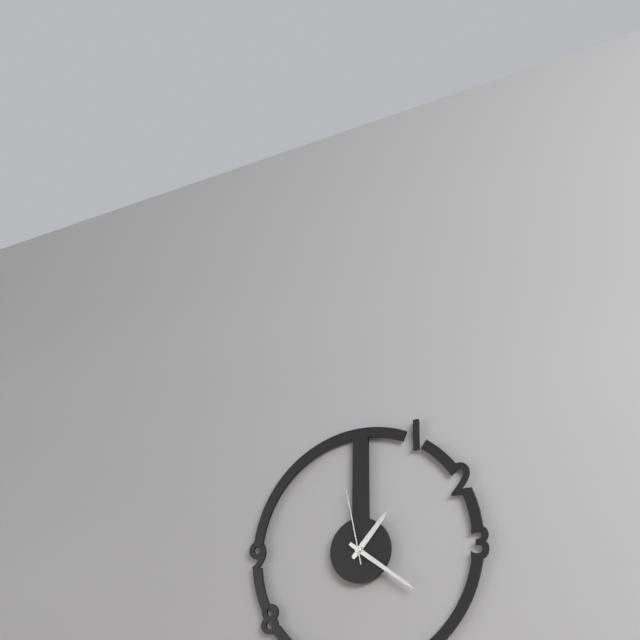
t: 1:21:58
